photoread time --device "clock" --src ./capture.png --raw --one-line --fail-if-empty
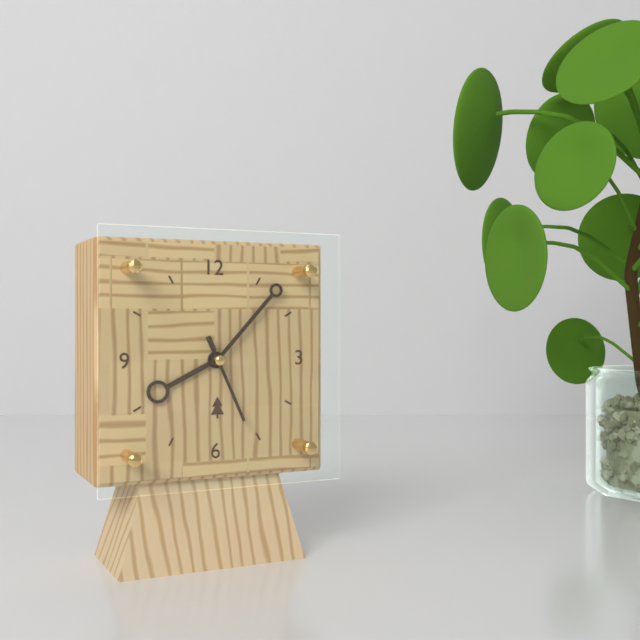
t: 8:07:26
